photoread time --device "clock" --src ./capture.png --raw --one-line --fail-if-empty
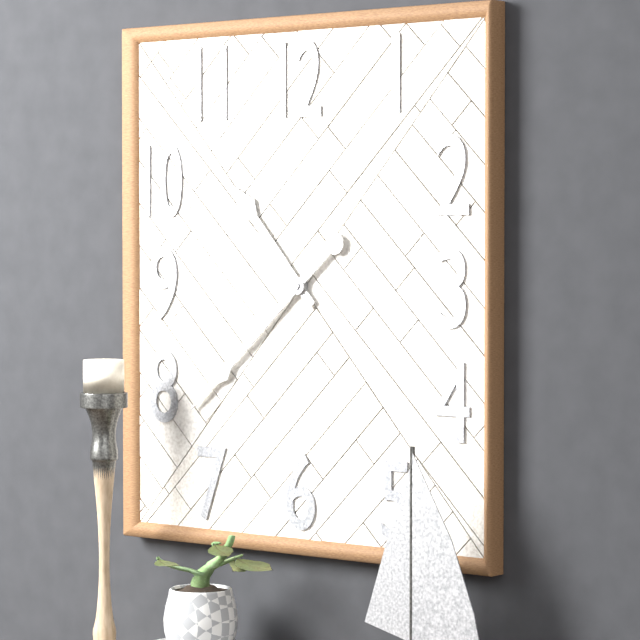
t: 10:38
